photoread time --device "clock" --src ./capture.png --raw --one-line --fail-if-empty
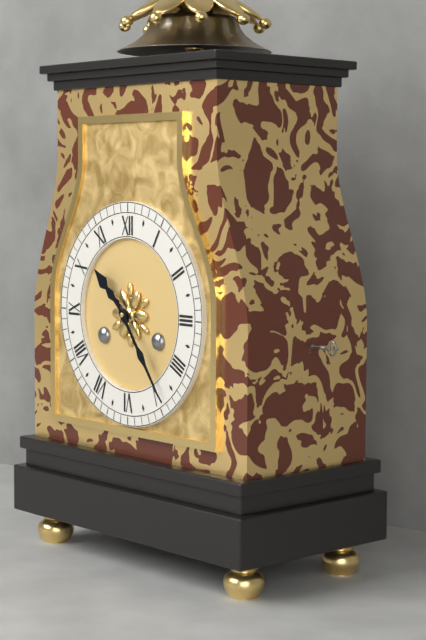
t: 10:24
